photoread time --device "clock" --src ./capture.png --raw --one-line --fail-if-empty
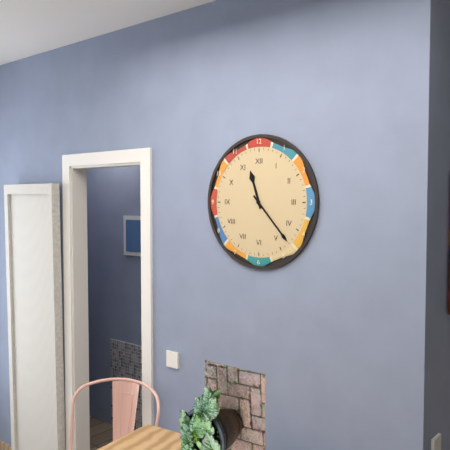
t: 11:23
